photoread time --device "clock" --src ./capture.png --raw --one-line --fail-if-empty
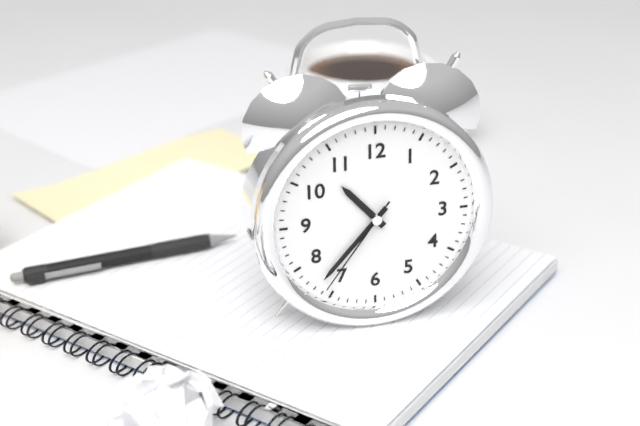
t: 10:37:36
